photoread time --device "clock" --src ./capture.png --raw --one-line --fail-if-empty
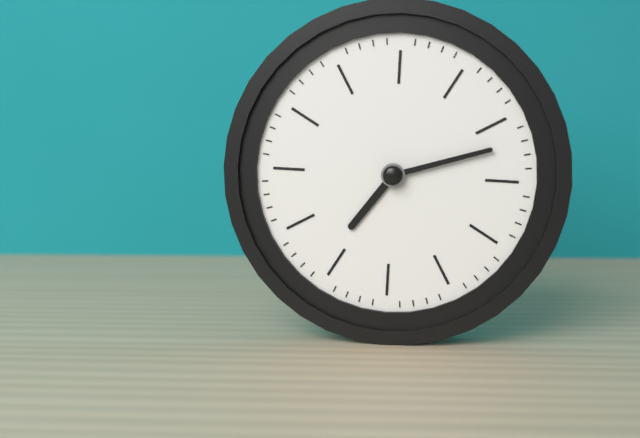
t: 7:12
